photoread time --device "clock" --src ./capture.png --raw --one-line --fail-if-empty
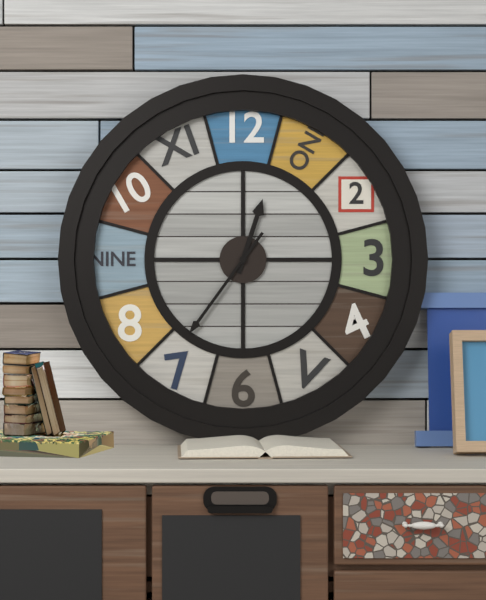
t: 12:36
